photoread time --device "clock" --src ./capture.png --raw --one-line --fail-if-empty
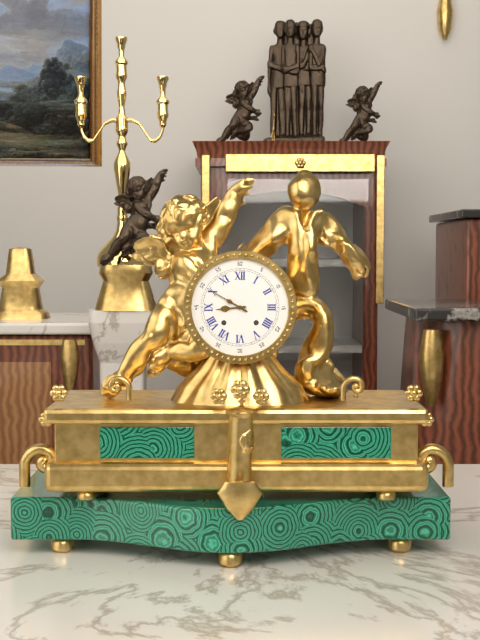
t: 8:50
